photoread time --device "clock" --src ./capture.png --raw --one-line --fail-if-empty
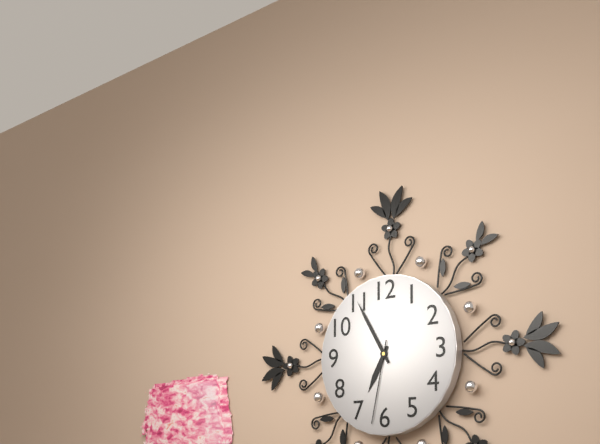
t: 6:55:32
